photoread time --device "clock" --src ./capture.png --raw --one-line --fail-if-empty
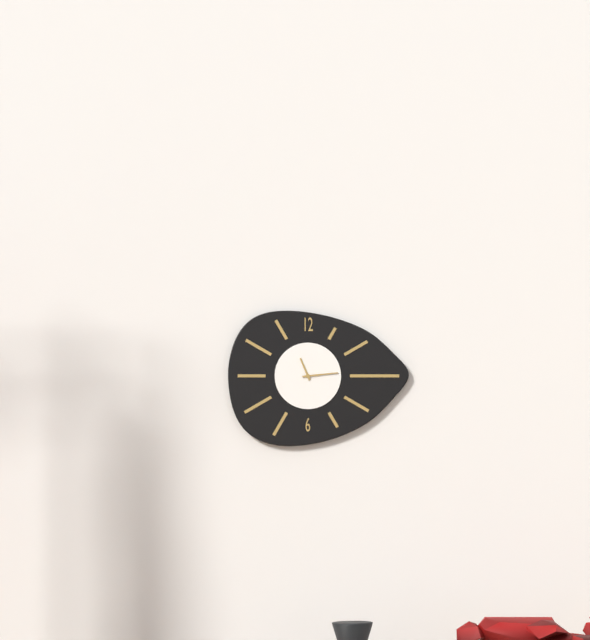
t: 11:14
